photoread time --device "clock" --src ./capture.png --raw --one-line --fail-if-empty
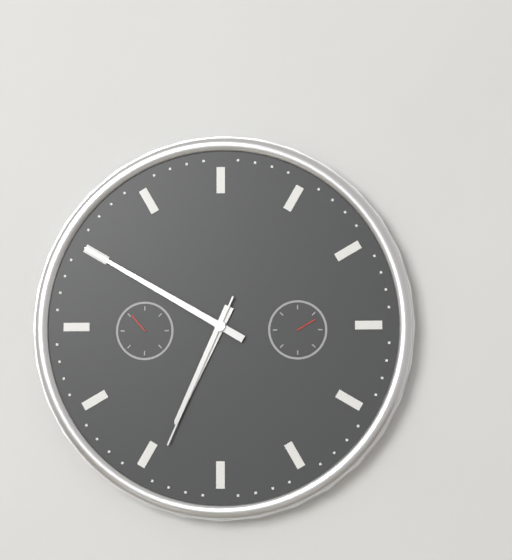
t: 6:50:34
